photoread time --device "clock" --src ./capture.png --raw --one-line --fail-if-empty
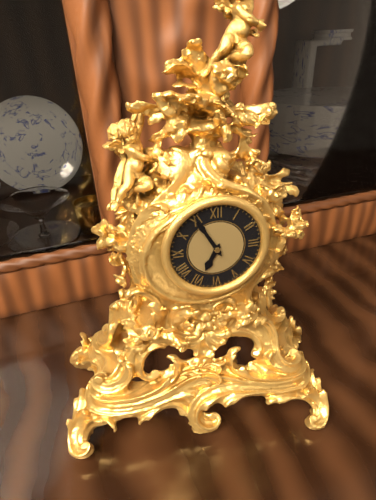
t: 6:55
